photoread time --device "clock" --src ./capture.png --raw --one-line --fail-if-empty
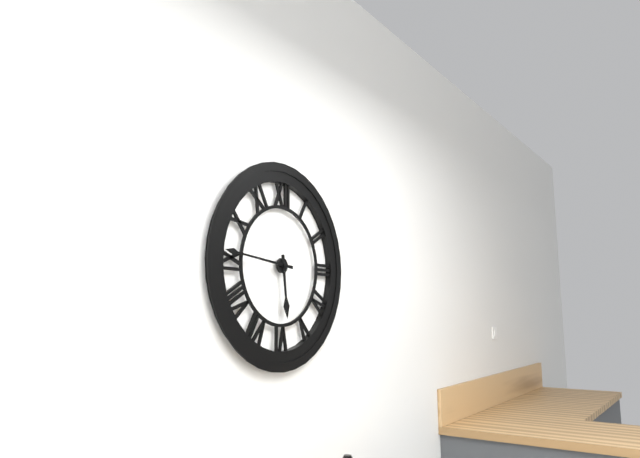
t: 5:46
